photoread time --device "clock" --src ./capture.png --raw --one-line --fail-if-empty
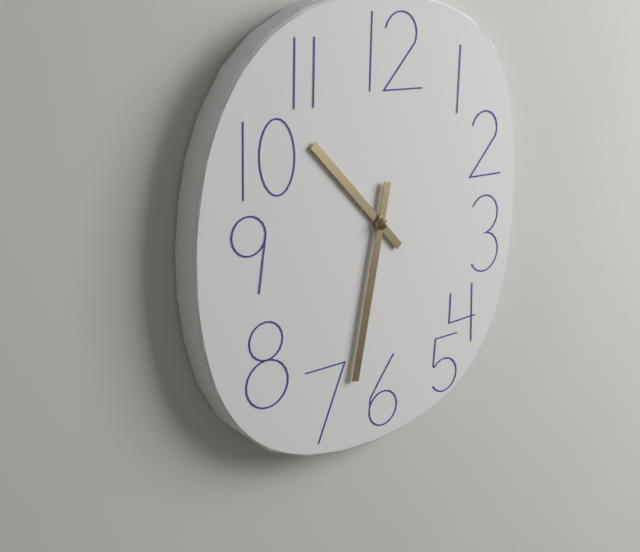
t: 10:32
